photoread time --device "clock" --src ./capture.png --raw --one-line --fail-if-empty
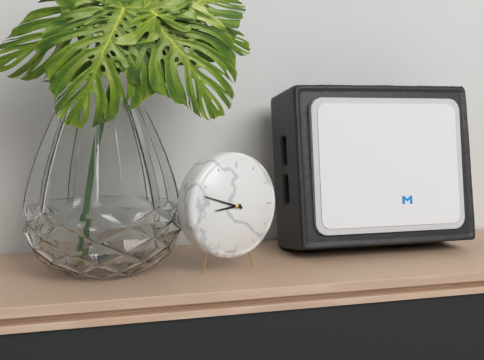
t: 8:48
